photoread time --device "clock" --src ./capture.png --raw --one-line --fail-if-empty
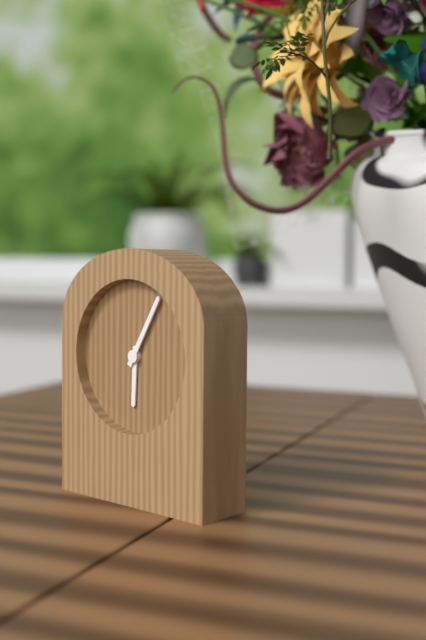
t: 6:05
